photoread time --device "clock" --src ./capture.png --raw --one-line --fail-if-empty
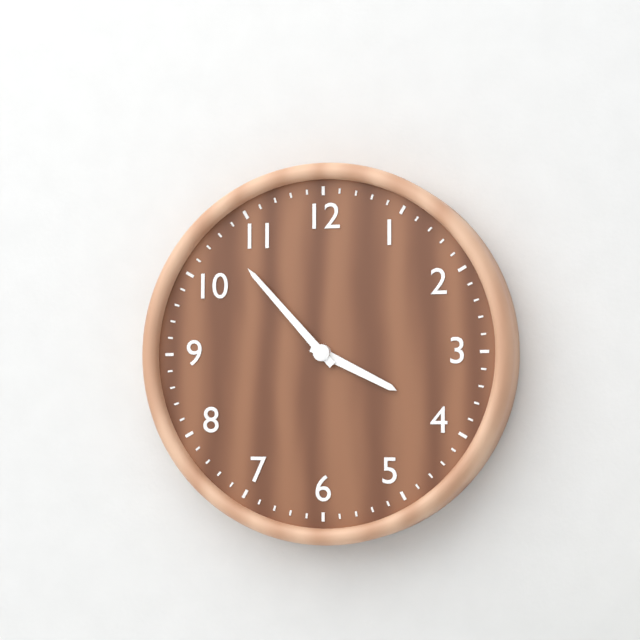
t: 3:53
